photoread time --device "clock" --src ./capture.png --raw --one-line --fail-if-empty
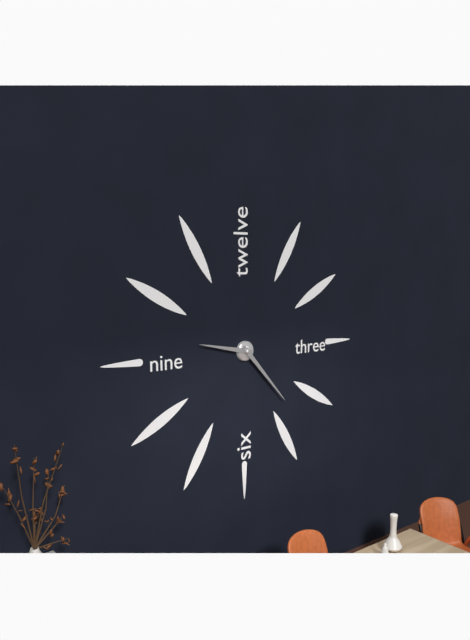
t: 9:23
